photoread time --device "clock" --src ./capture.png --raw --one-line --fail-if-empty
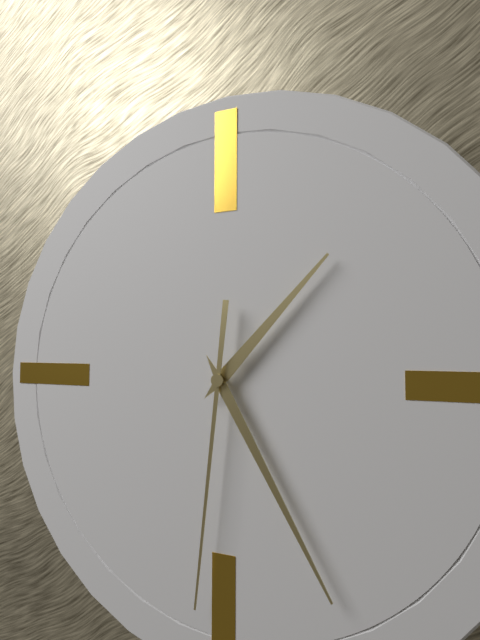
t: 1:25:31
